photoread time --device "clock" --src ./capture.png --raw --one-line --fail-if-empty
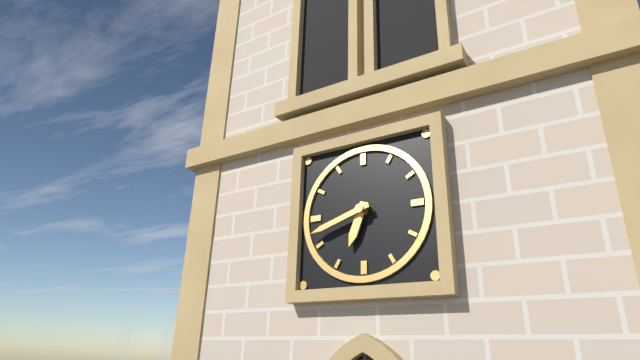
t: 6:42
